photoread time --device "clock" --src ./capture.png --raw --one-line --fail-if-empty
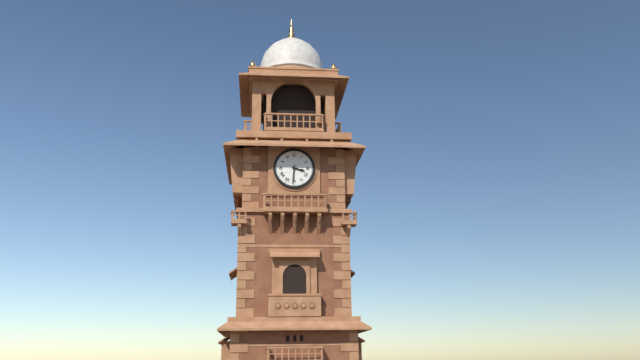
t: 3:31
